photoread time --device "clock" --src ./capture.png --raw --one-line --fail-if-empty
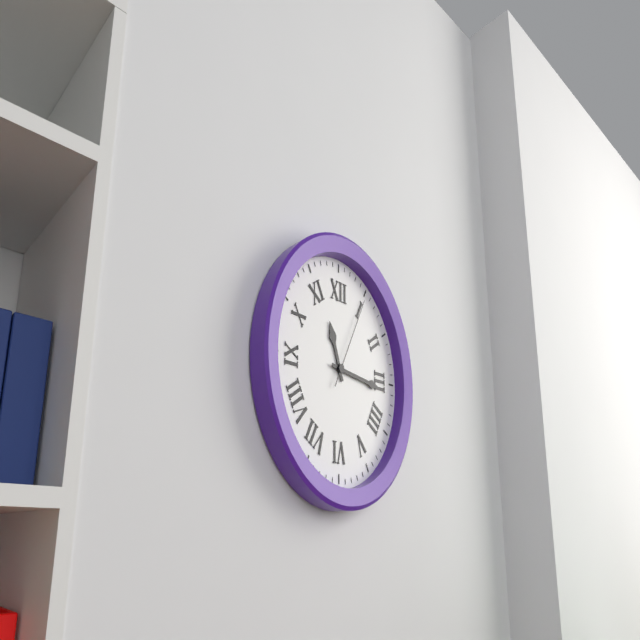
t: 11:16:05
